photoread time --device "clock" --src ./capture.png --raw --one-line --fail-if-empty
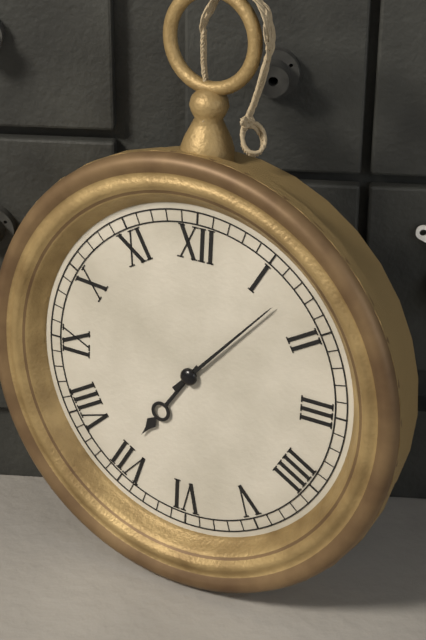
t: 7:07
